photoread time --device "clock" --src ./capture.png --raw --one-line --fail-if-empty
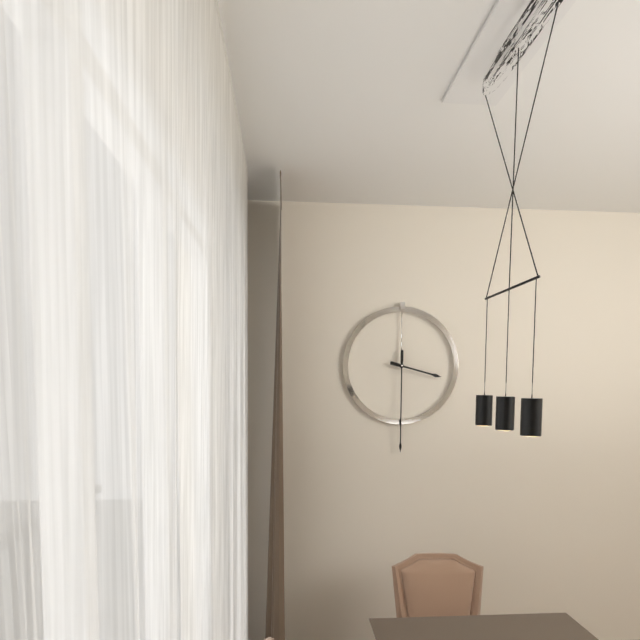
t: 3:30
